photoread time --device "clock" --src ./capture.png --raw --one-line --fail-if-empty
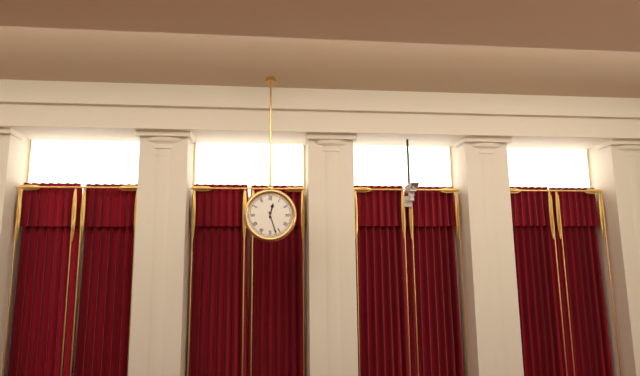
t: 12:27
